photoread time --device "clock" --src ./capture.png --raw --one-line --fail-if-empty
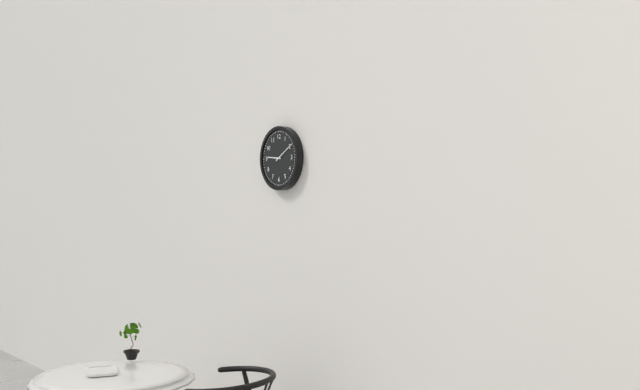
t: 9:10
